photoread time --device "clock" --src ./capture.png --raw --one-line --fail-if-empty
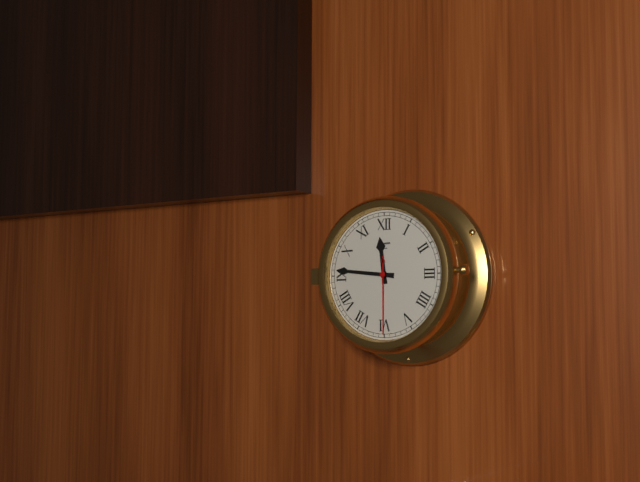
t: 11:46:30
